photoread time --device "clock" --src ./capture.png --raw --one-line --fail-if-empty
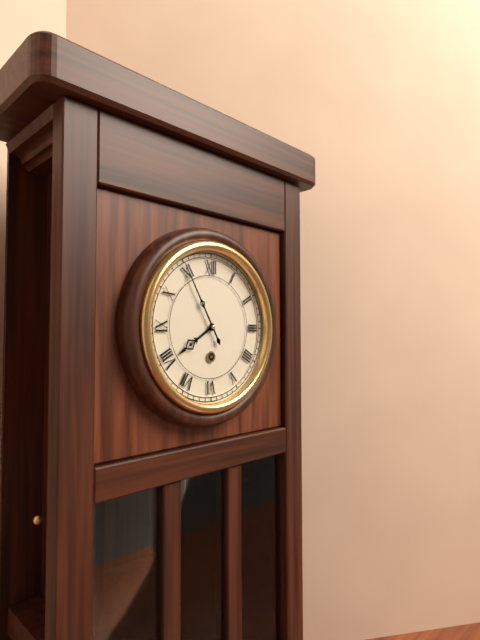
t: 7:55
